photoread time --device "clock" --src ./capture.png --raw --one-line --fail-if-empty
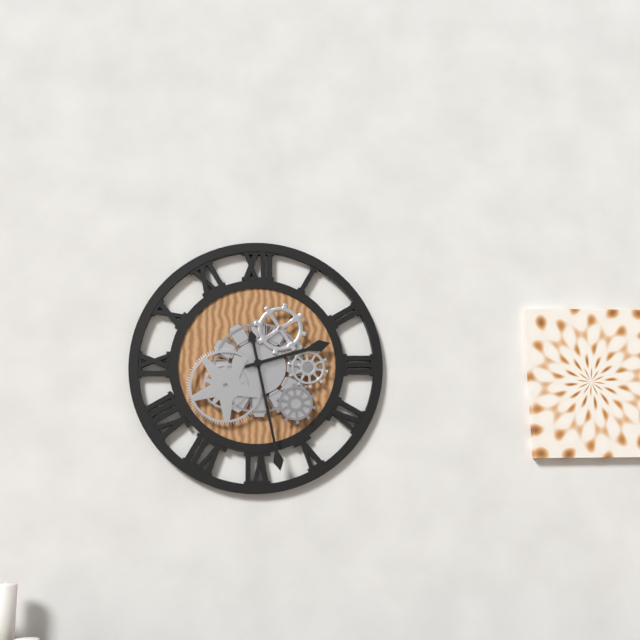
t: 2:28
